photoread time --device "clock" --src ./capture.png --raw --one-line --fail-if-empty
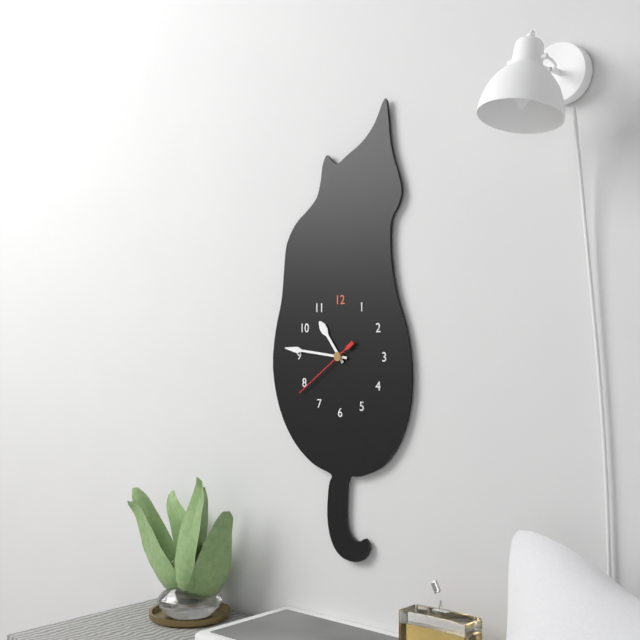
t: 10:46:39
